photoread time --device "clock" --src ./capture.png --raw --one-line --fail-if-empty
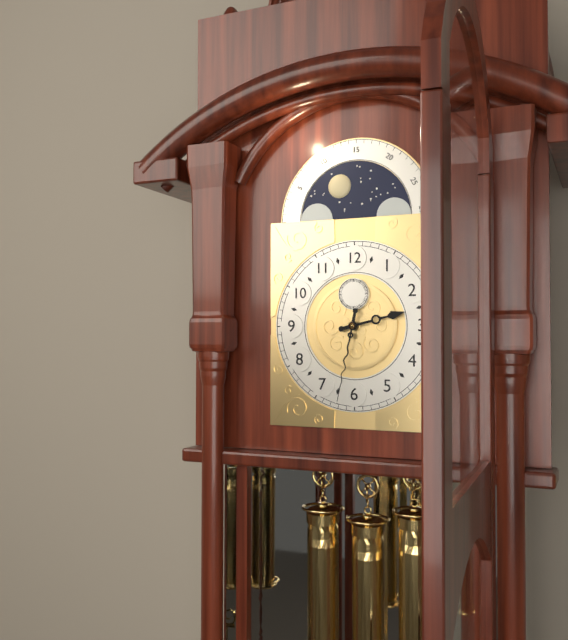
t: 2:32
